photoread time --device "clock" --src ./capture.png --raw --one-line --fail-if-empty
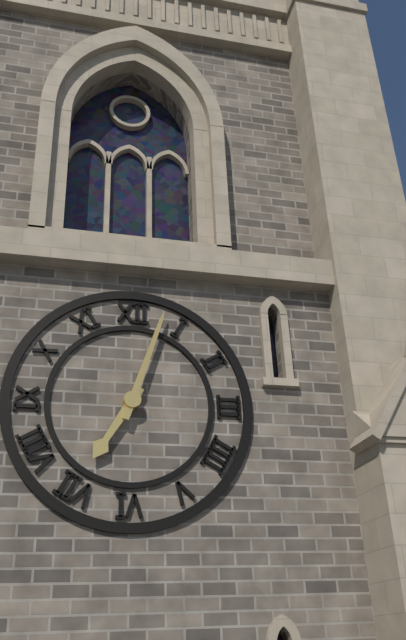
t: 7:03
